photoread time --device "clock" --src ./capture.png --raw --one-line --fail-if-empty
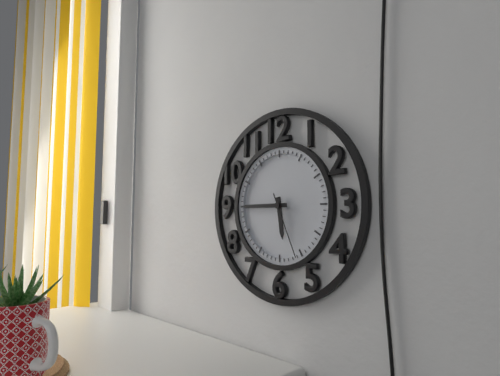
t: 5:45:26
